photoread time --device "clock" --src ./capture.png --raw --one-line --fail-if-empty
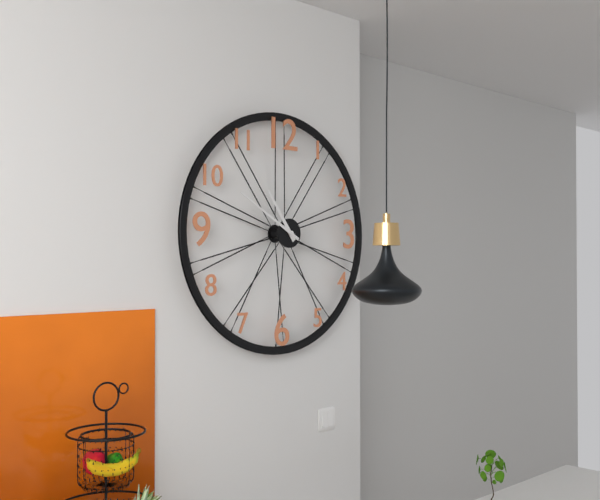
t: 10:50
